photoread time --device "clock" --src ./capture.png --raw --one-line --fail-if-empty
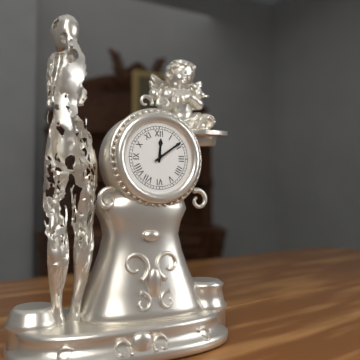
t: 12:09
